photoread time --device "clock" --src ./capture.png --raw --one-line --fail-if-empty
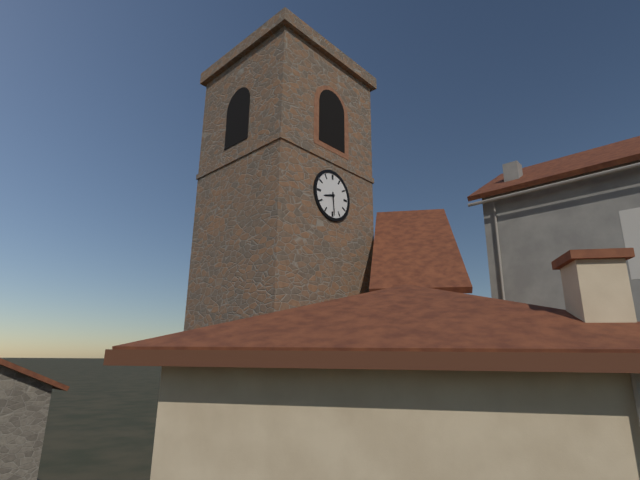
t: 8:29
